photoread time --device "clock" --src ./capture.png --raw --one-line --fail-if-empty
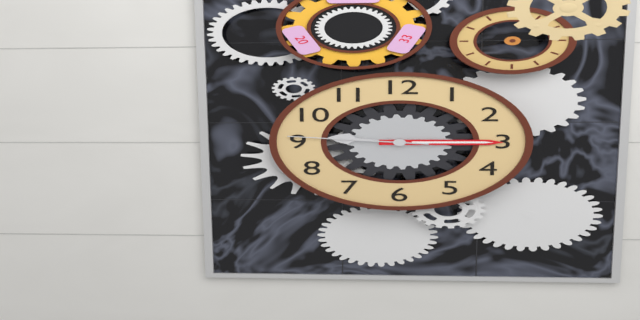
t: 9:15:46
